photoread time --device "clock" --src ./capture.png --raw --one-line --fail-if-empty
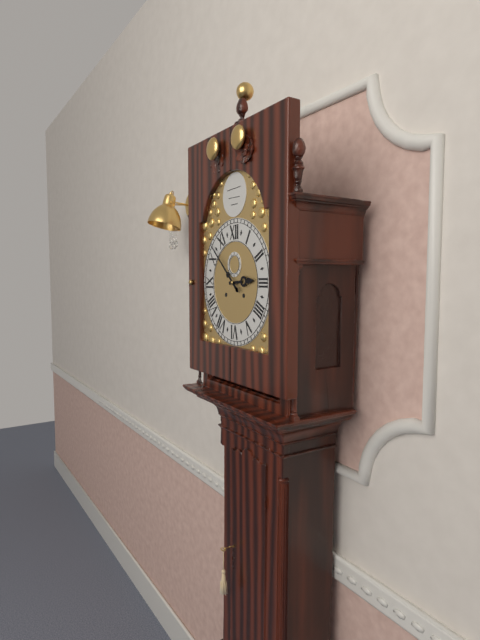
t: 2:52
